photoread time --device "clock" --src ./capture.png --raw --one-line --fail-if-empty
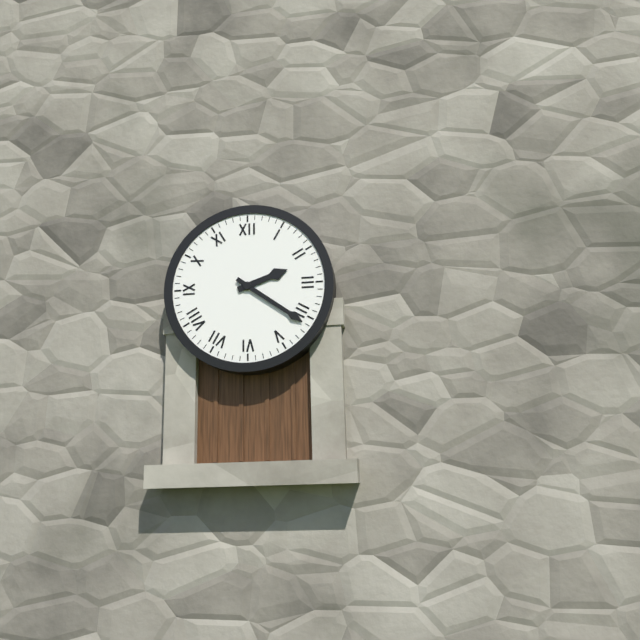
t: 2:21
